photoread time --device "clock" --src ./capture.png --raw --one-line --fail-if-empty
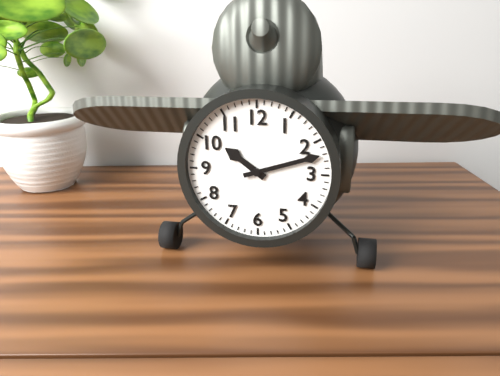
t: 10:12
